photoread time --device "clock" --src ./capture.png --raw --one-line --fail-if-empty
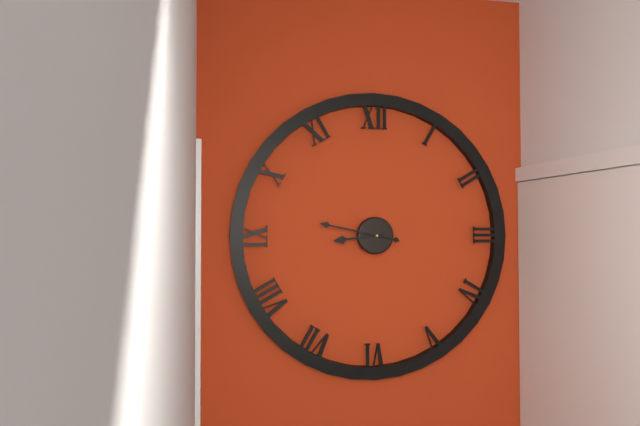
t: 8:47
